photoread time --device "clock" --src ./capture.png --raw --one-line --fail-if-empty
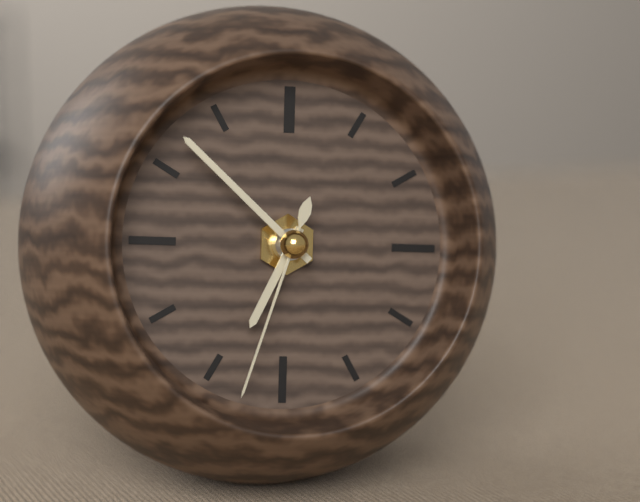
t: 6:52:33
